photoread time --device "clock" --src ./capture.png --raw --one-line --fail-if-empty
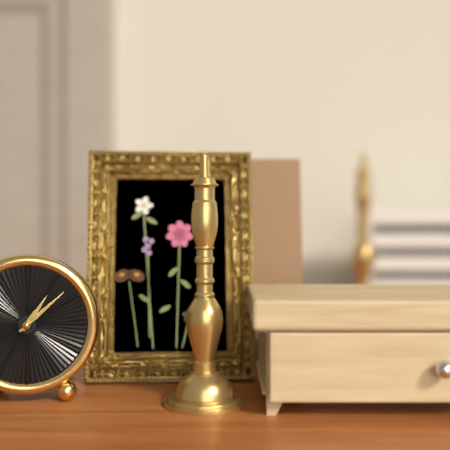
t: 1:08
